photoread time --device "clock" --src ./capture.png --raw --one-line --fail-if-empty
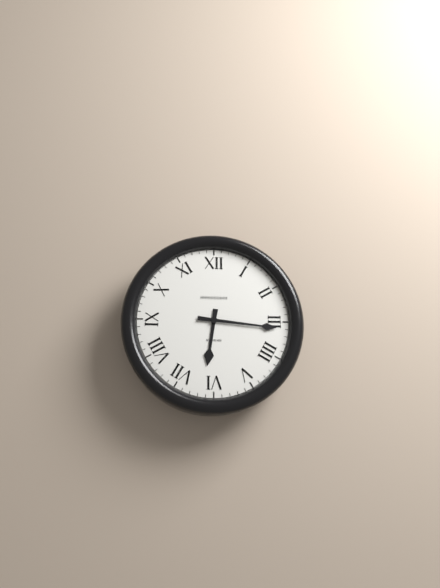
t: 6:16
